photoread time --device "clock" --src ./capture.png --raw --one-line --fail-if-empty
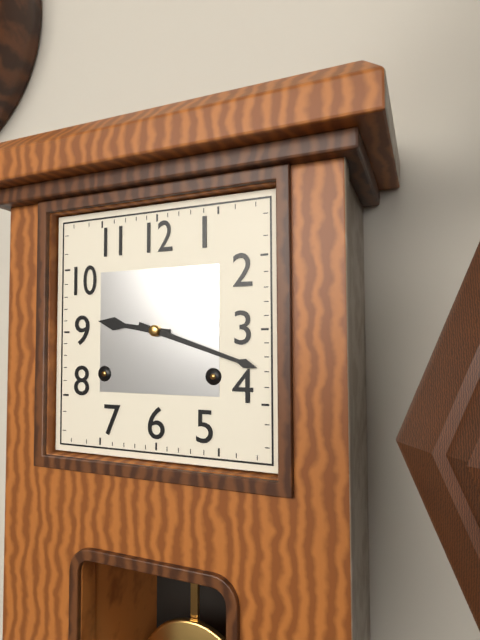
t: 9:18
